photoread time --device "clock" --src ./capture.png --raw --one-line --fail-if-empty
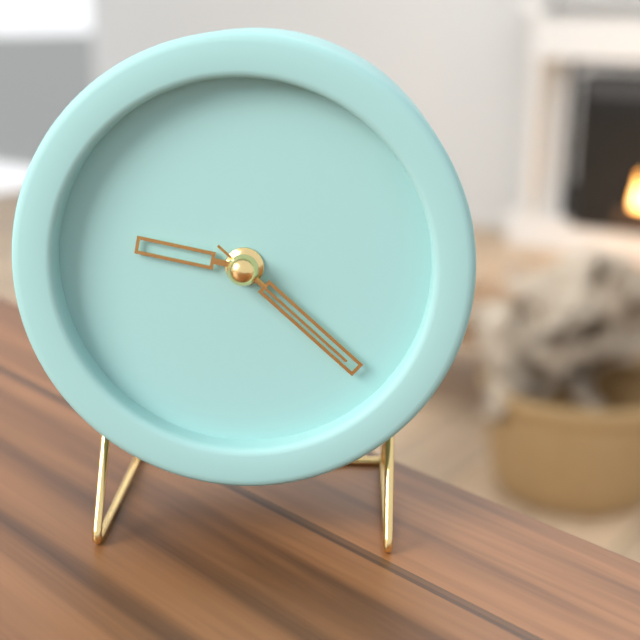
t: 9:22:22
